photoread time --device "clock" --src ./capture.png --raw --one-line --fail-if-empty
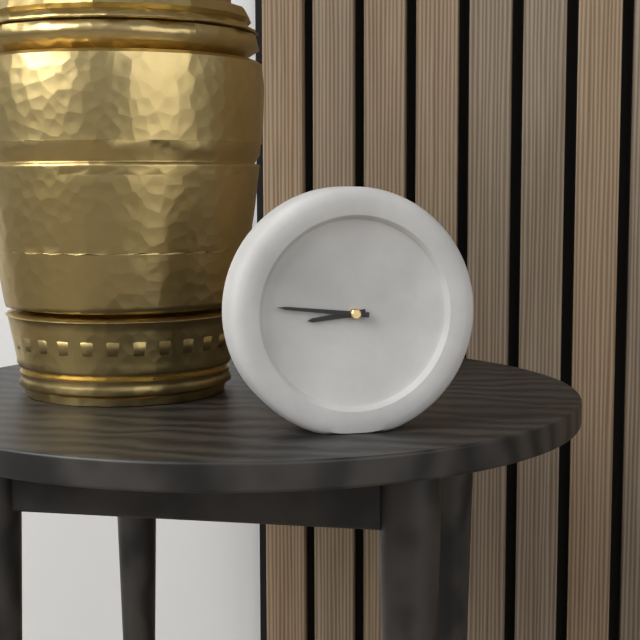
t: 8:46
